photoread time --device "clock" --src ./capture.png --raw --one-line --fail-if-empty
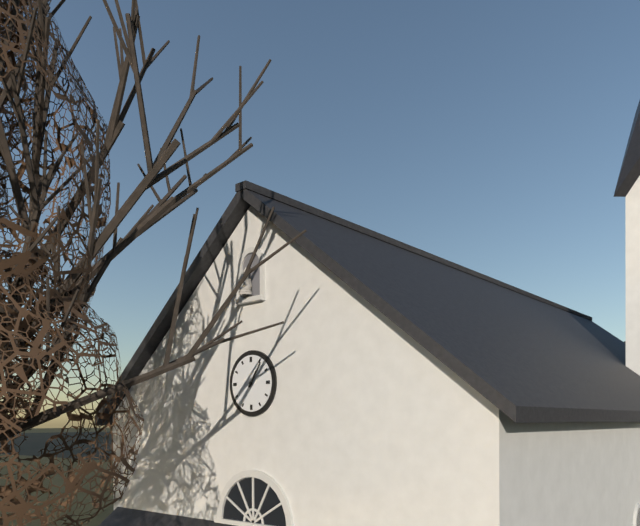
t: 1:06
